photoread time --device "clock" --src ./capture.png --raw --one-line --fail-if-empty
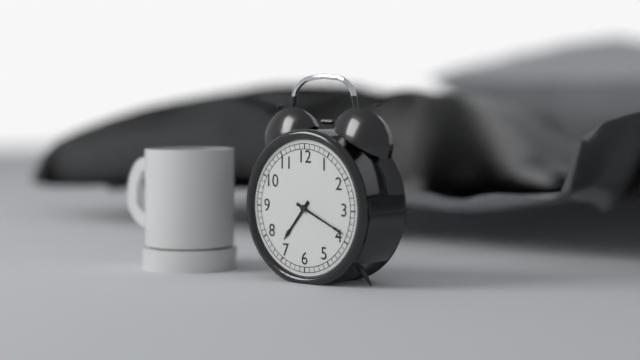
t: 7:19
